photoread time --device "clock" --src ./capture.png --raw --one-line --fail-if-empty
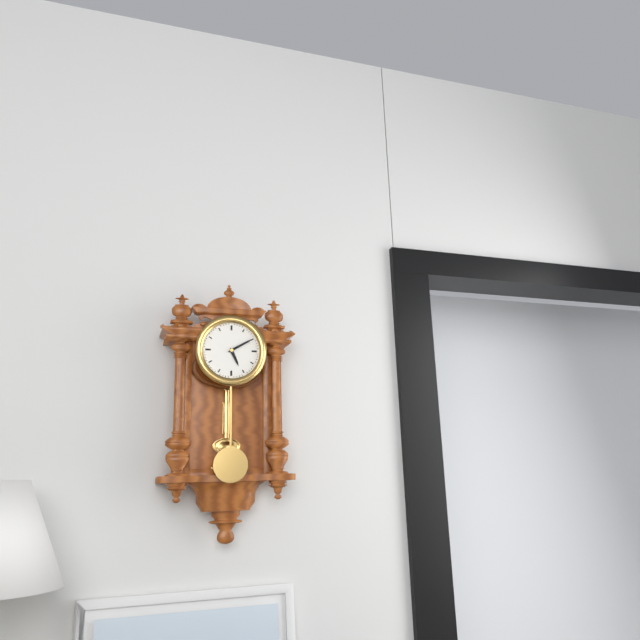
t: 5:10
